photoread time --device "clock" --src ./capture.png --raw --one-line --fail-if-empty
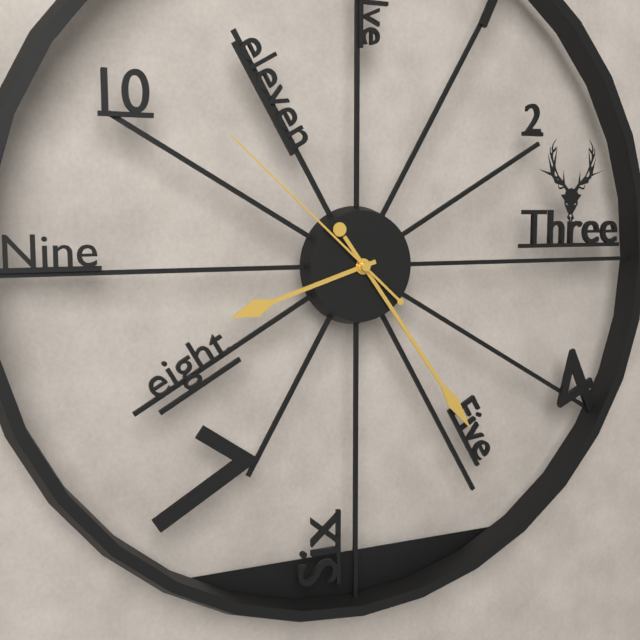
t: 8:24:52
